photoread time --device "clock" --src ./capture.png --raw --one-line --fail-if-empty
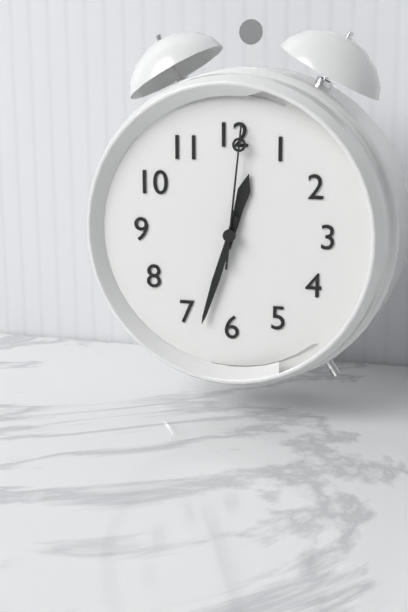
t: 12:33:01
